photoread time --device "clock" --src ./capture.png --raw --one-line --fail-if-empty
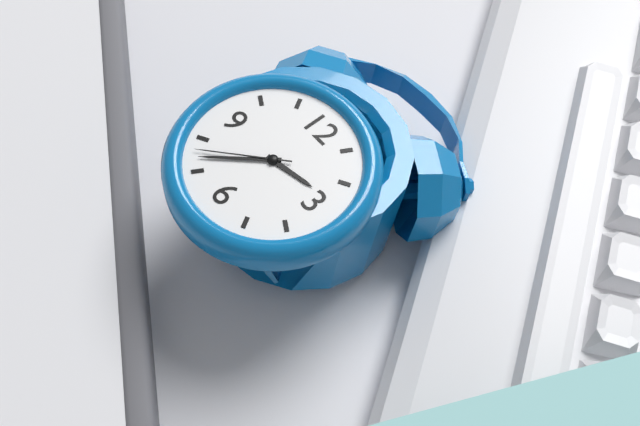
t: 2:37:38
